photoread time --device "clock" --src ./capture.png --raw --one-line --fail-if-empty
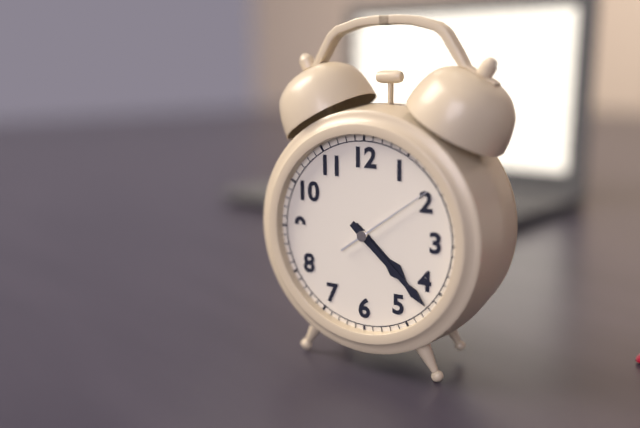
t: 4:22:09
